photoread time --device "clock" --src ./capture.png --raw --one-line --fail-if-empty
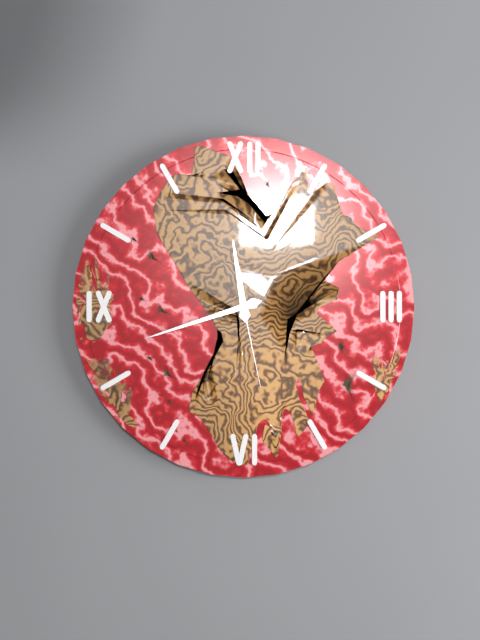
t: 11:42:28
